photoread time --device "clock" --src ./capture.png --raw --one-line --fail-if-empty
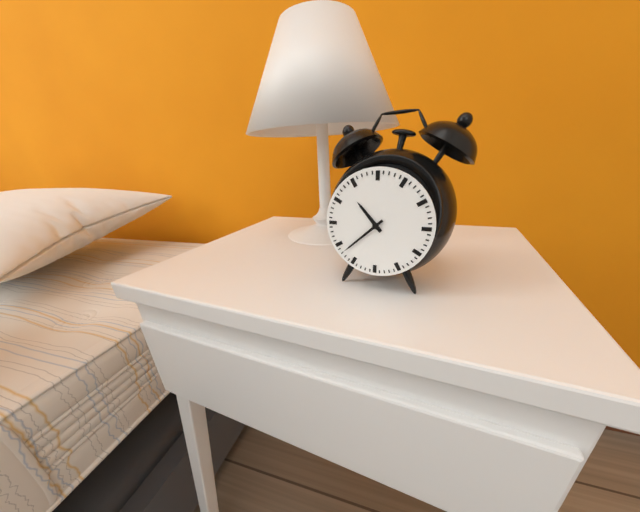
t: 10:38
